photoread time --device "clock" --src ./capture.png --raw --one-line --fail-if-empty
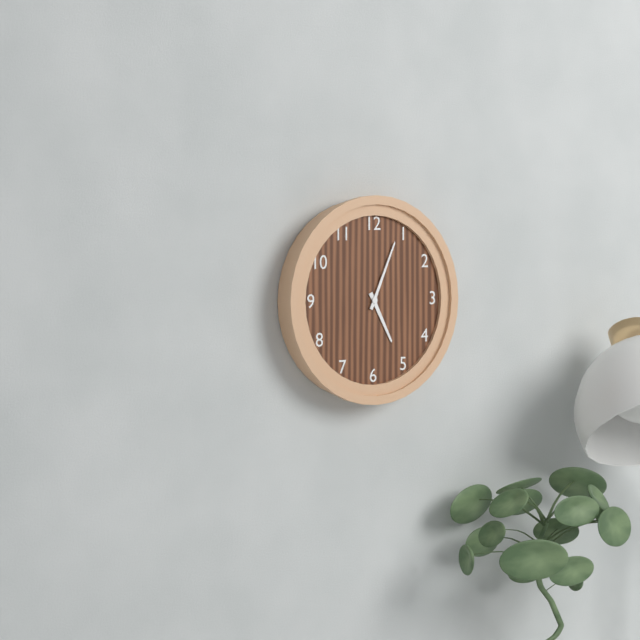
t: 5:04
